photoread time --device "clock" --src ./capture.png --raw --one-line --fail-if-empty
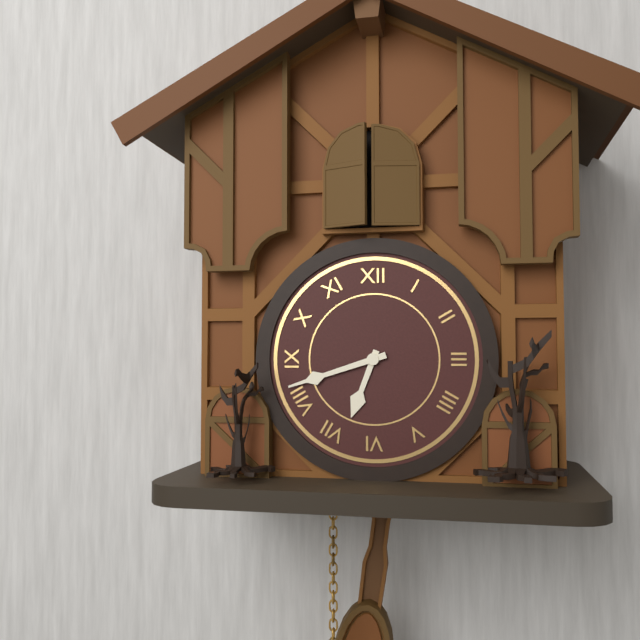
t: 6:42
